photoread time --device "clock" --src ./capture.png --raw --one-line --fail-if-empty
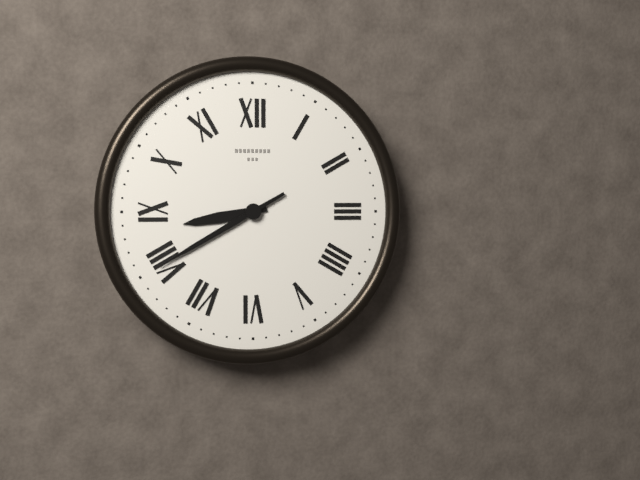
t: 8:40
